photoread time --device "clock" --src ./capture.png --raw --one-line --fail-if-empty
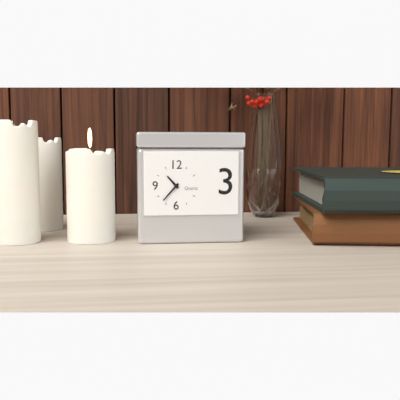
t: 10:37
